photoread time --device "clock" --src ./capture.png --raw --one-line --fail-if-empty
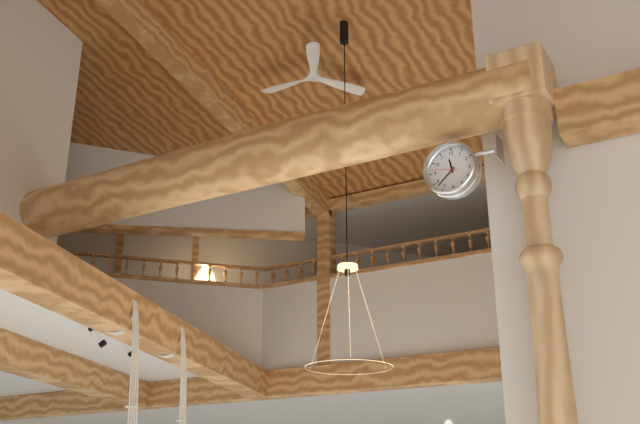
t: 11:38
